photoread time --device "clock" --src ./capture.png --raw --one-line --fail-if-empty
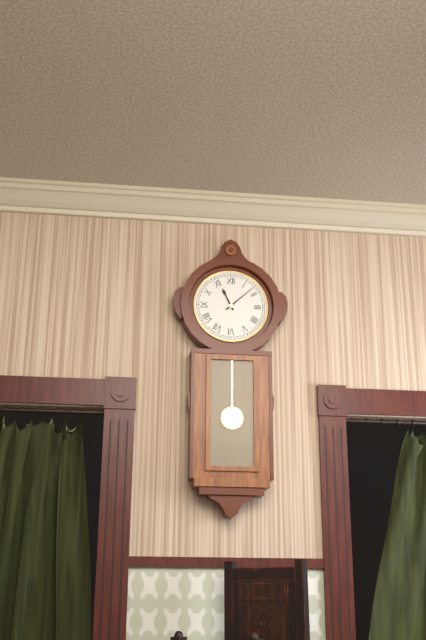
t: 11:08
